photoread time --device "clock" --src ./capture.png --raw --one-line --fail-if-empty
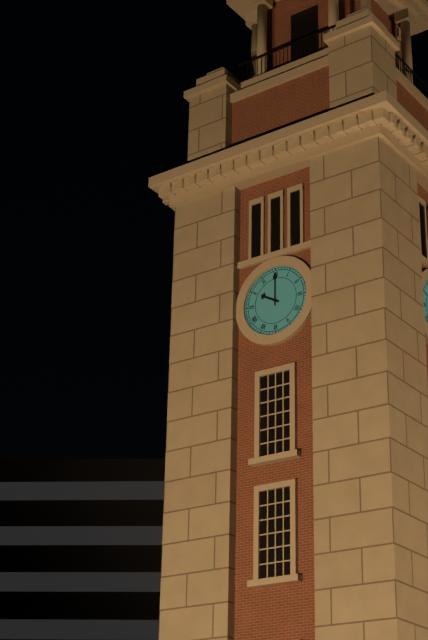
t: 10:00
